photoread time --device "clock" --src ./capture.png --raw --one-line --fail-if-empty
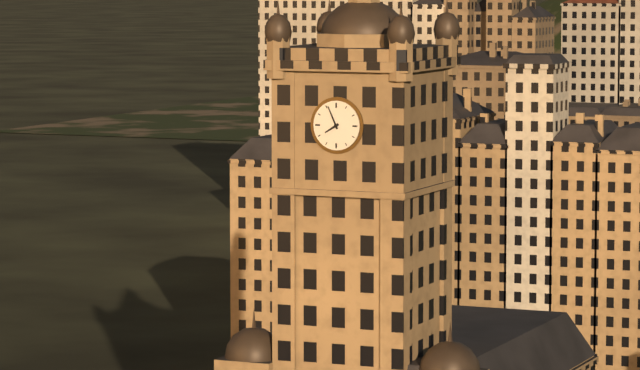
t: 7:56
